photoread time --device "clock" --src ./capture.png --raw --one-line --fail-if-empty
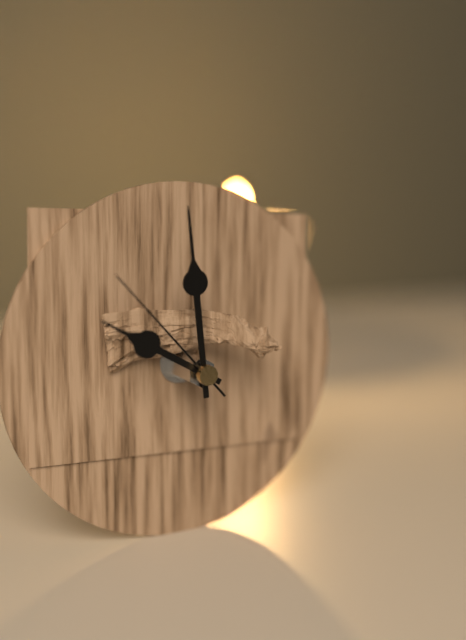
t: 9:59:53
